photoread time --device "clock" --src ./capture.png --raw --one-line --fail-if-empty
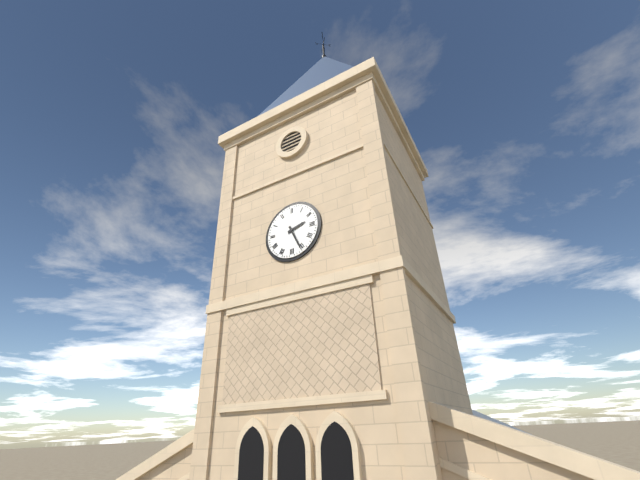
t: 2:26
